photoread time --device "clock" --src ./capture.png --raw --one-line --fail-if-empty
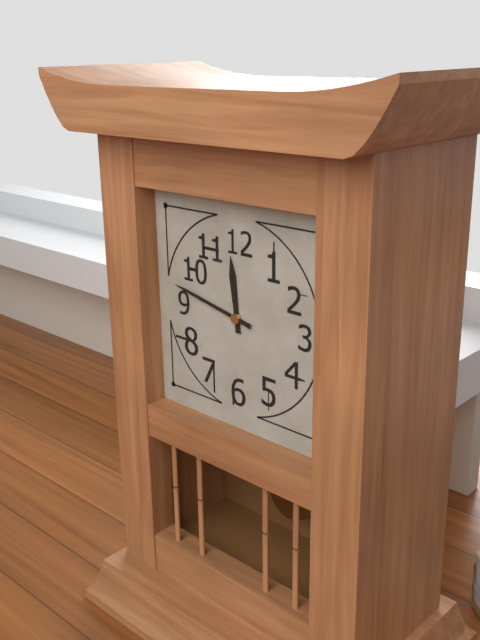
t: 11:47
